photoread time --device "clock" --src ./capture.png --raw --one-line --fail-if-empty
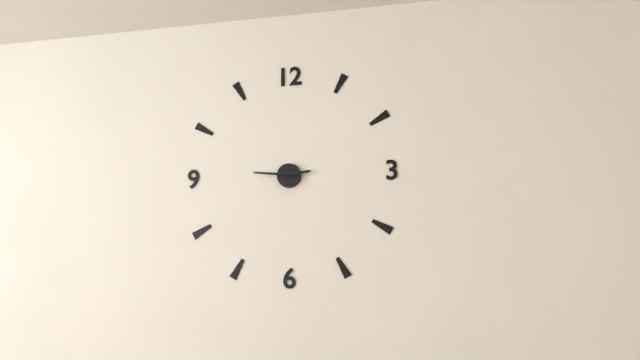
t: 2:46
